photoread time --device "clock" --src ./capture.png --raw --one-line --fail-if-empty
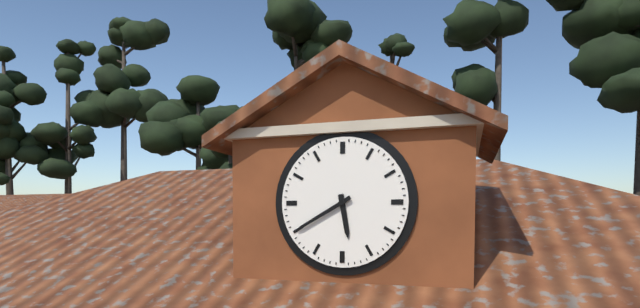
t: 5:40
